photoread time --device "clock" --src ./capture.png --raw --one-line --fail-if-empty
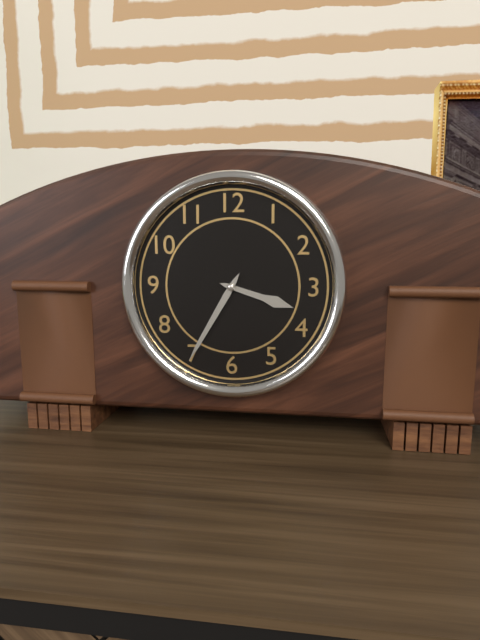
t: 3:35
